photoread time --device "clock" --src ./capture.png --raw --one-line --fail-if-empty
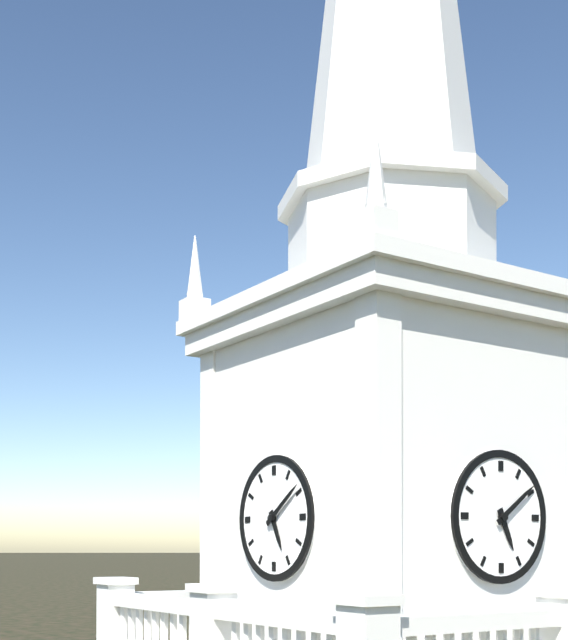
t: 5:09
